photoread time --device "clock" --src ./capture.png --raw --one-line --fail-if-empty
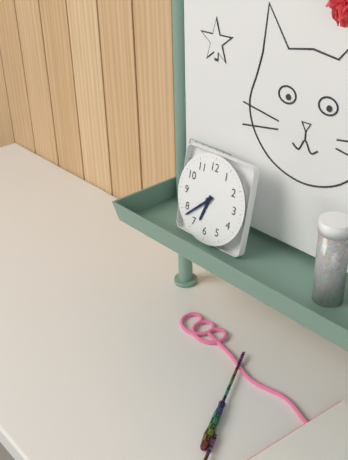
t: 6:38
